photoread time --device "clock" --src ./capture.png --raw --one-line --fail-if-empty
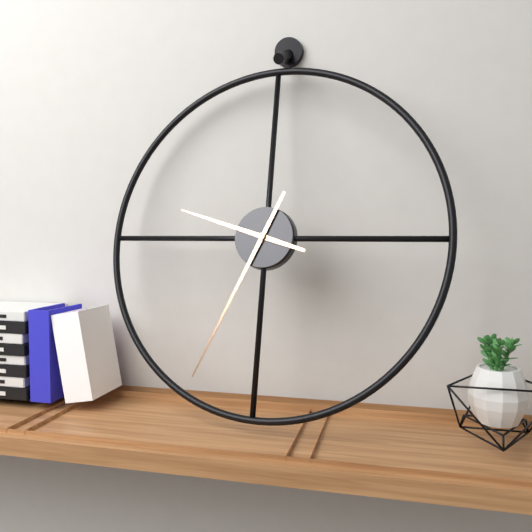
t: 9:34
